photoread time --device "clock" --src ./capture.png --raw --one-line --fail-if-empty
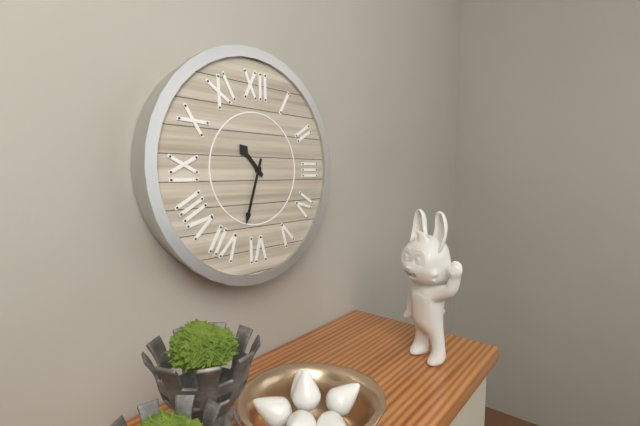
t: 10:33
